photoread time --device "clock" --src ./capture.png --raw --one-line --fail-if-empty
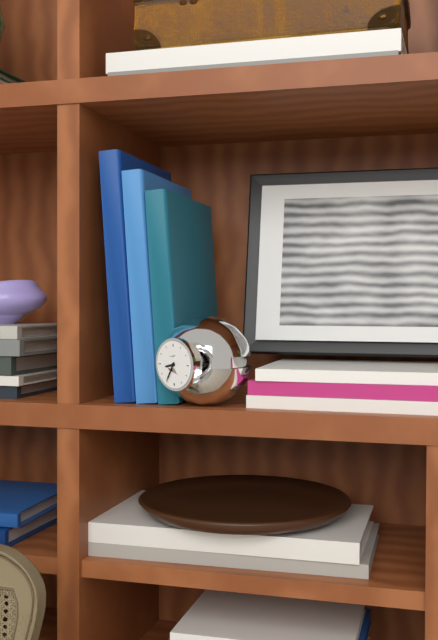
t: 8:35
